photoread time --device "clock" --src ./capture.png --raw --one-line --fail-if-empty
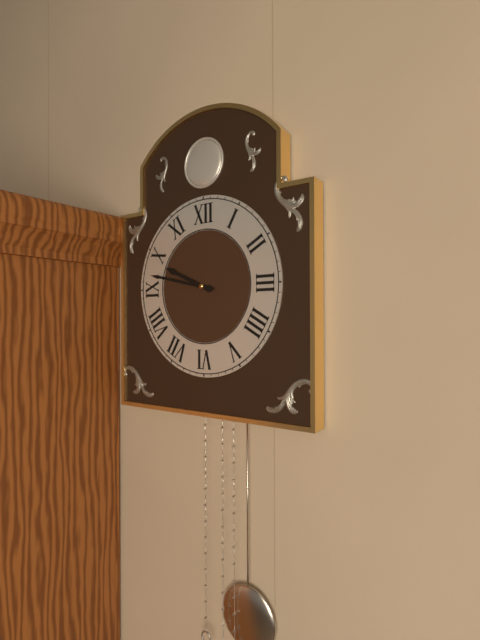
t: 9:47
